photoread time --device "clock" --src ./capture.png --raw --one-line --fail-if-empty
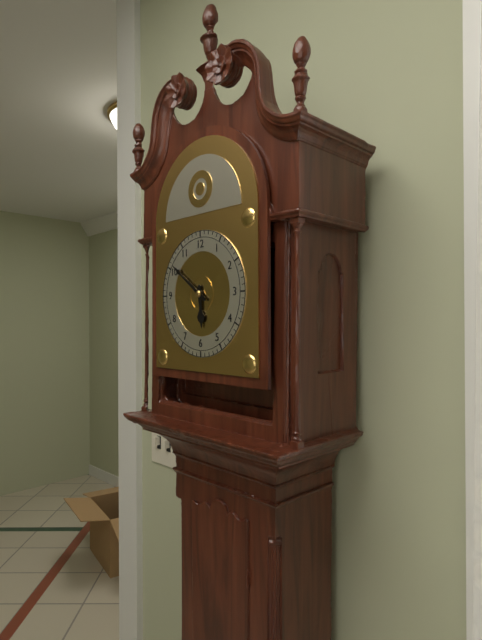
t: 5:51
